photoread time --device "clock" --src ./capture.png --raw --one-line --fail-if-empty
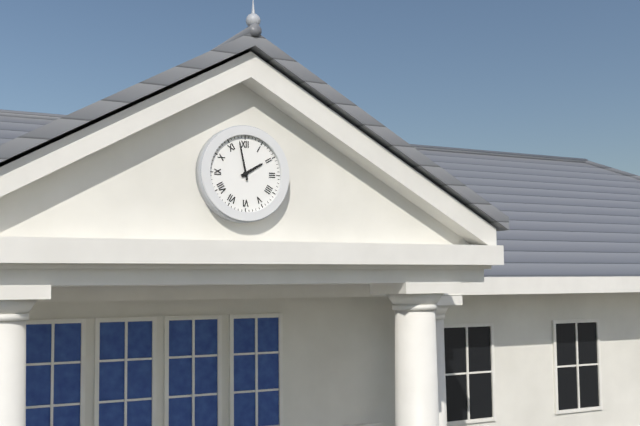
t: 1:58
